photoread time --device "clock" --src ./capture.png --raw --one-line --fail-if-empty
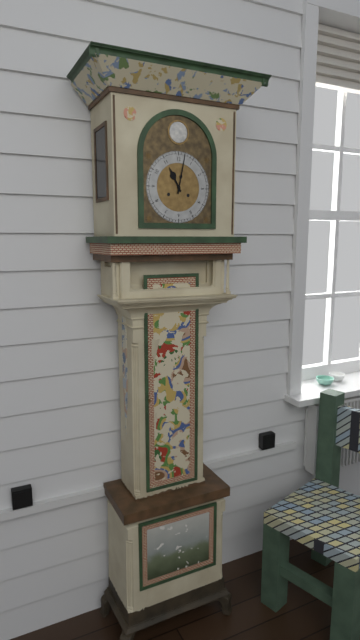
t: 11:02
